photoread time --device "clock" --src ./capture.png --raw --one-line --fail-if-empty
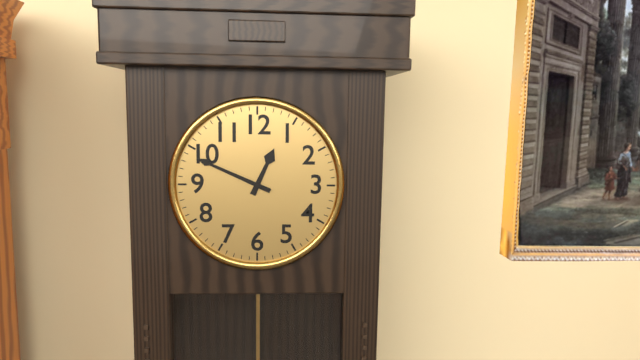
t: 12:49
